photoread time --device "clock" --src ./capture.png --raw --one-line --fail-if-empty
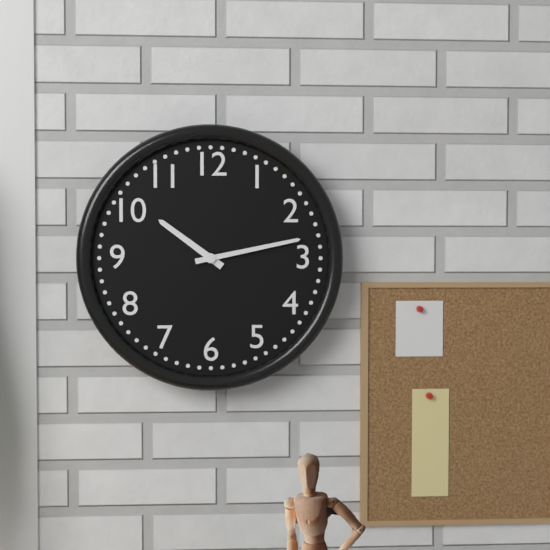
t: 10:13
